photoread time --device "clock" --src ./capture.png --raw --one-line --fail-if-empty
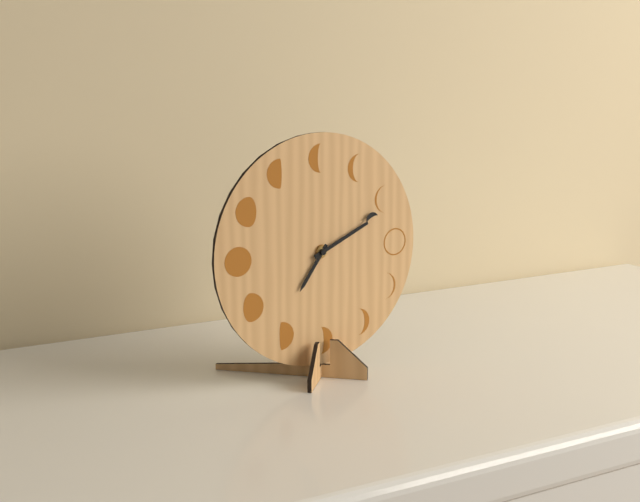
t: 7:11
